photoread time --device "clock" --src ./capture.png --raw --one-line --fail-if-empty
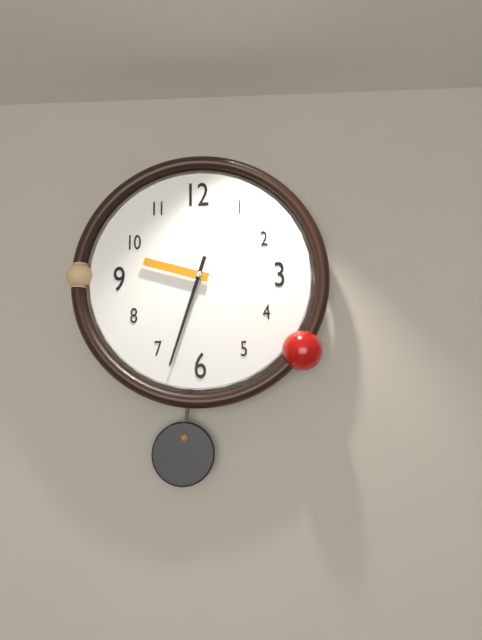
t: 9:33
